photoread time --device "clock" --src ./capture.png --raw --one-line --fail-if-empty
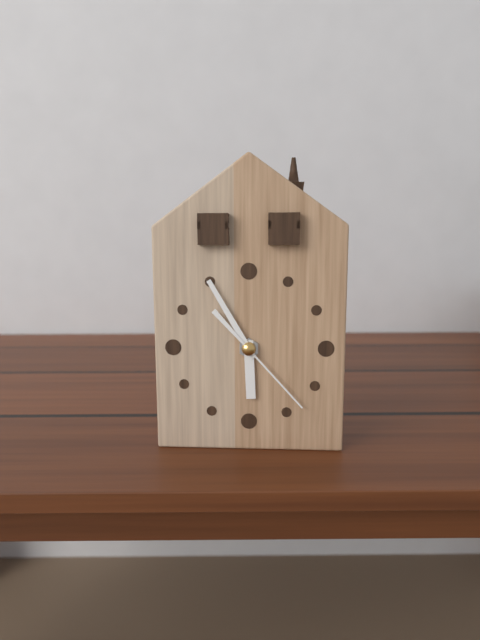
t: 5:55:23
